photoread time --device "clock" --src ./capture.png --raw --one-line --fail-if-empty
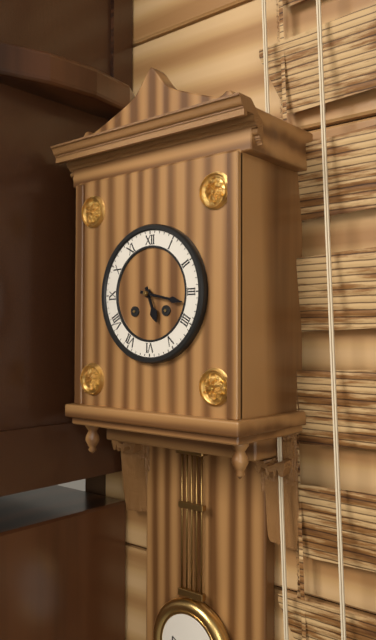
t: 5:17
